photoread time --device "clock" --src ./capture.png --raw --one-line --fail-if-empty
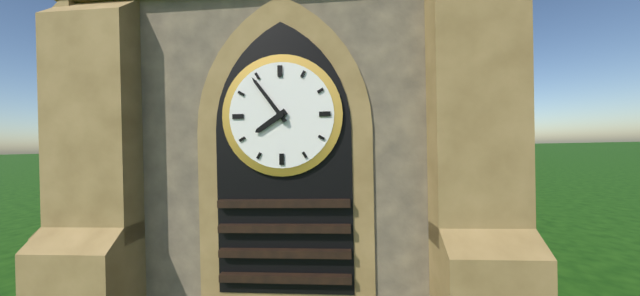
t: 7:54
